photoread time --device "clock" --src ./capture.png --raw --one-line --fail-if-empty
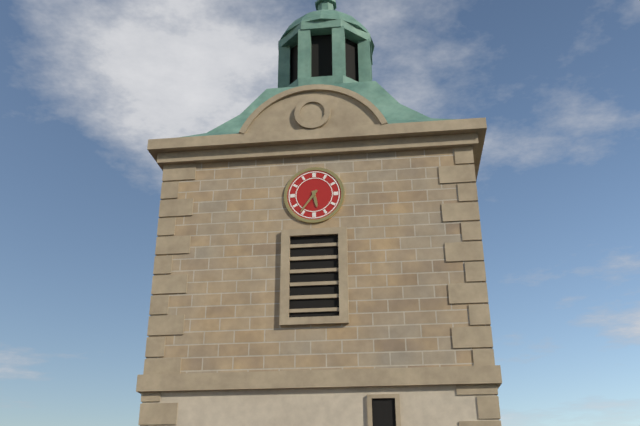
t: 5:36
